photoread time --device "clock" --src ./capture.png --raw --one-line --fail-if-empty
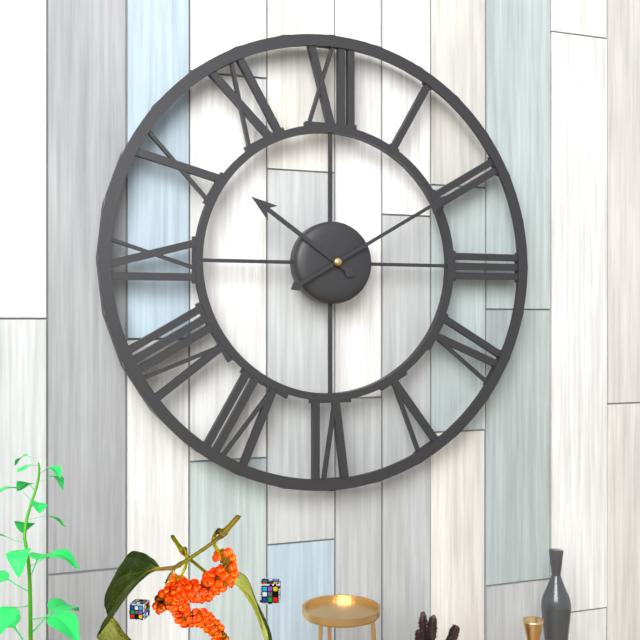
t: 10:10
